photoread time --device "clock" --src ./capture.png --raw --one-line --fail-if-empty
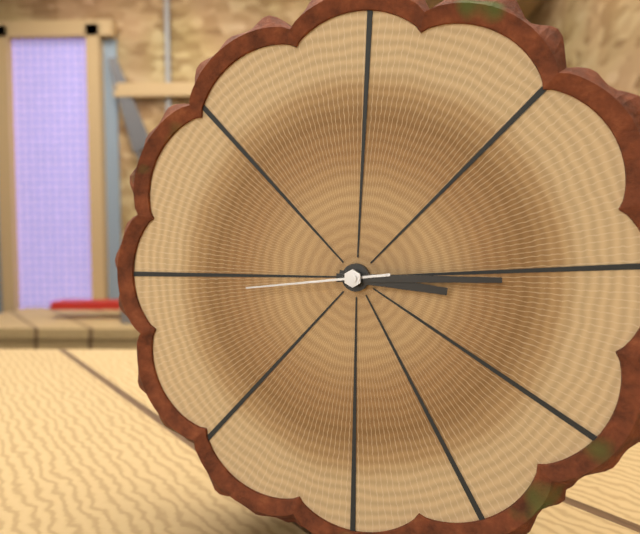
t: 3:15:44
